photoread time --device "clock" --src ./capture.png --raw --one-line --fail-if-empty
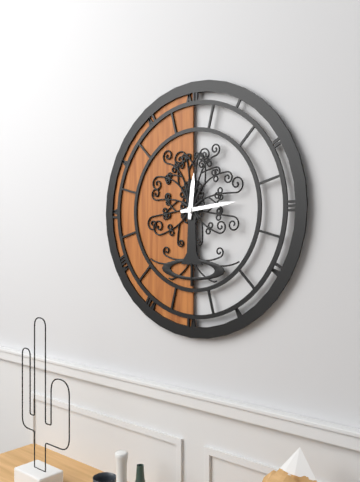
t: 12:14
